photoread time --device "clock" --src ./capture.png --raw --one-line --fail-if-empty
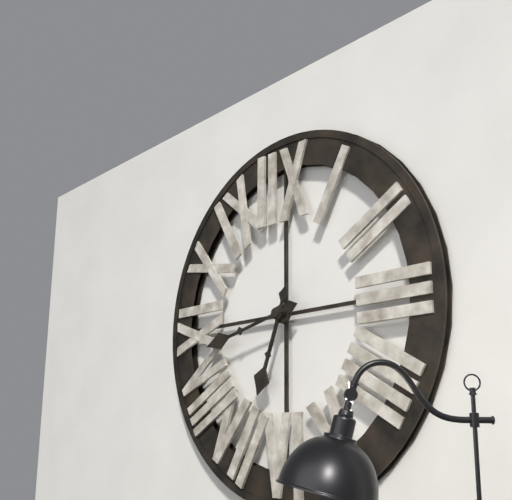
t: 6:43
